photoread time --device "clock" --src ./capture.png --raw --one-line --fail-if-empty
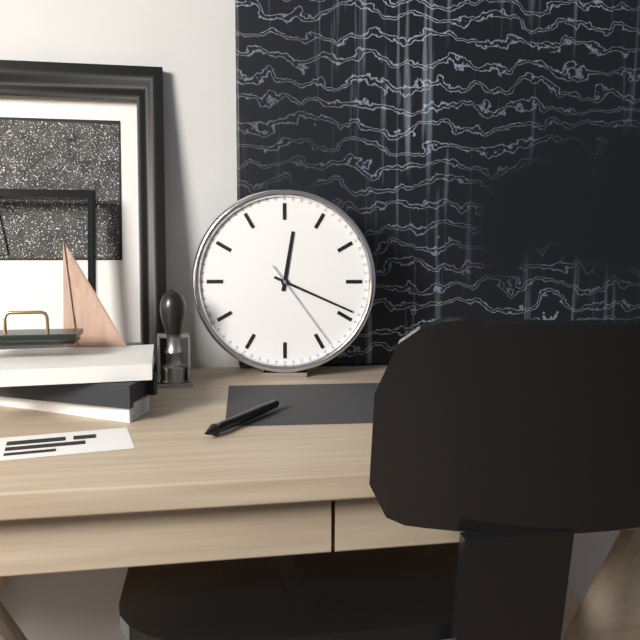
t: 12:19:24
